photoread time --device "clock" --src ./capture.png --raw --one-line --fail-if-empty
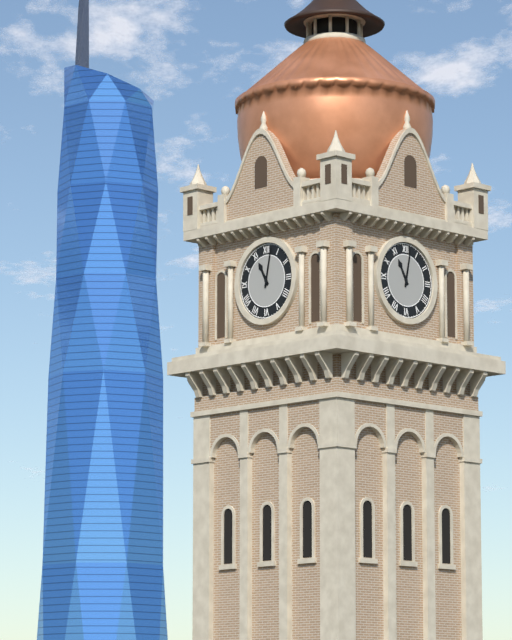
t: 11:02
